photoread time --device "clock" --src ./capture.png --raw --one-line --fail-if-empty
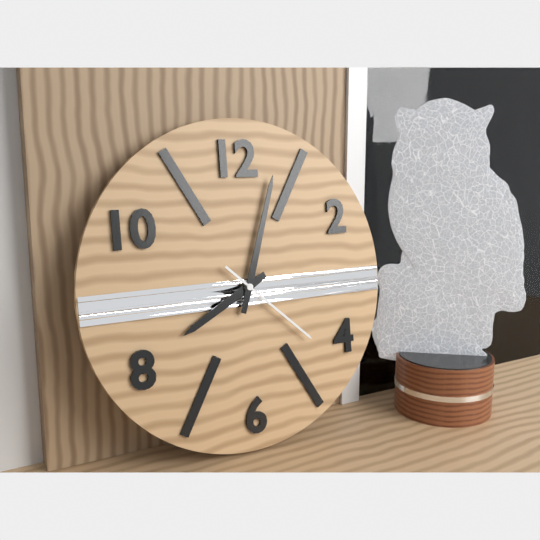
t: 8:03:22
